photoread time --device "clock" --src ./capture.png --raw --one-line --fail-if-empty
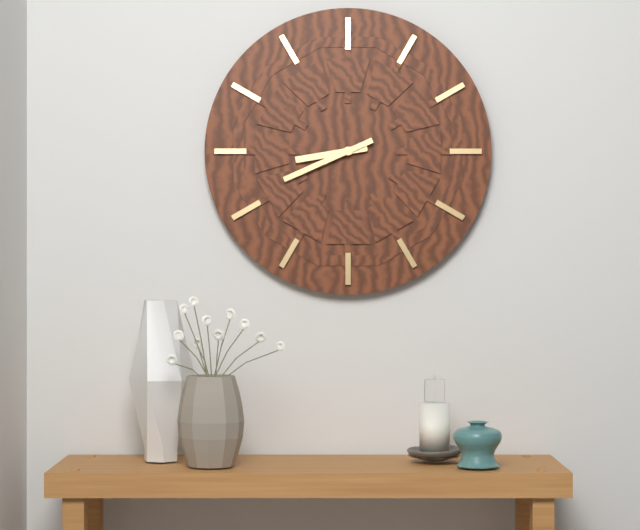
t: 8:41
